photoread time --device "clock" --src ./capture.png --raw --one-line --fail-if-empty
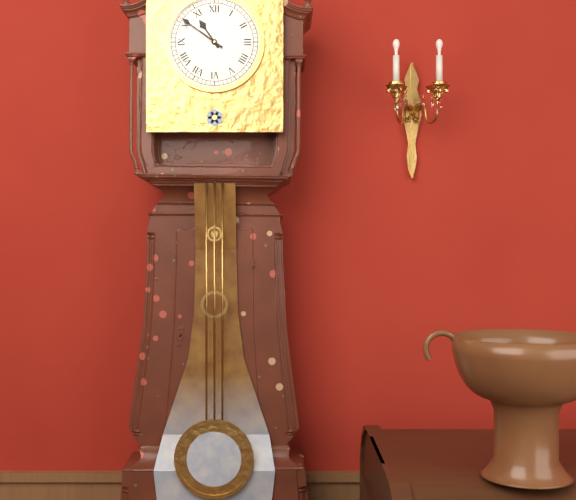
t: 10:51
